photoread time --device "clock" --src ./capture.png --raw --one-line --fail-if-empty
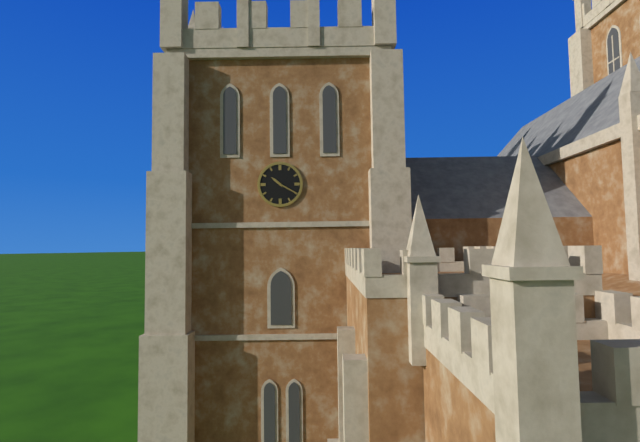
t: 10:20
